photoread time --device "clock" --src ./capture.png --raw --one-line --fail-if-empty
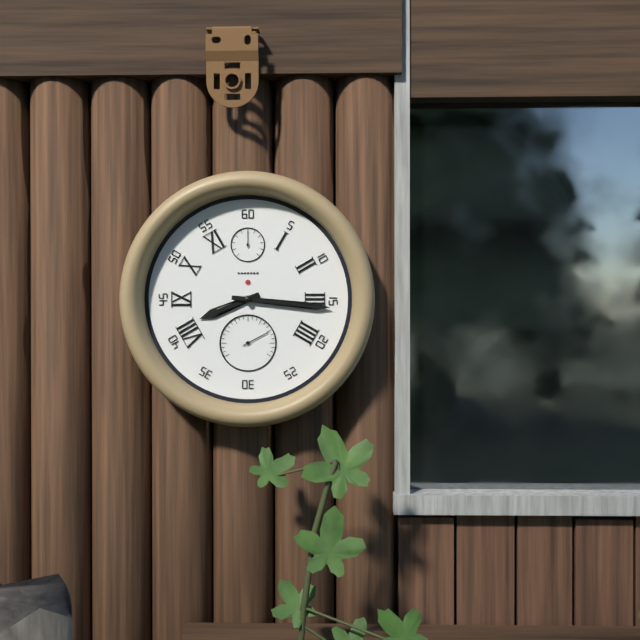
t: 8:16
